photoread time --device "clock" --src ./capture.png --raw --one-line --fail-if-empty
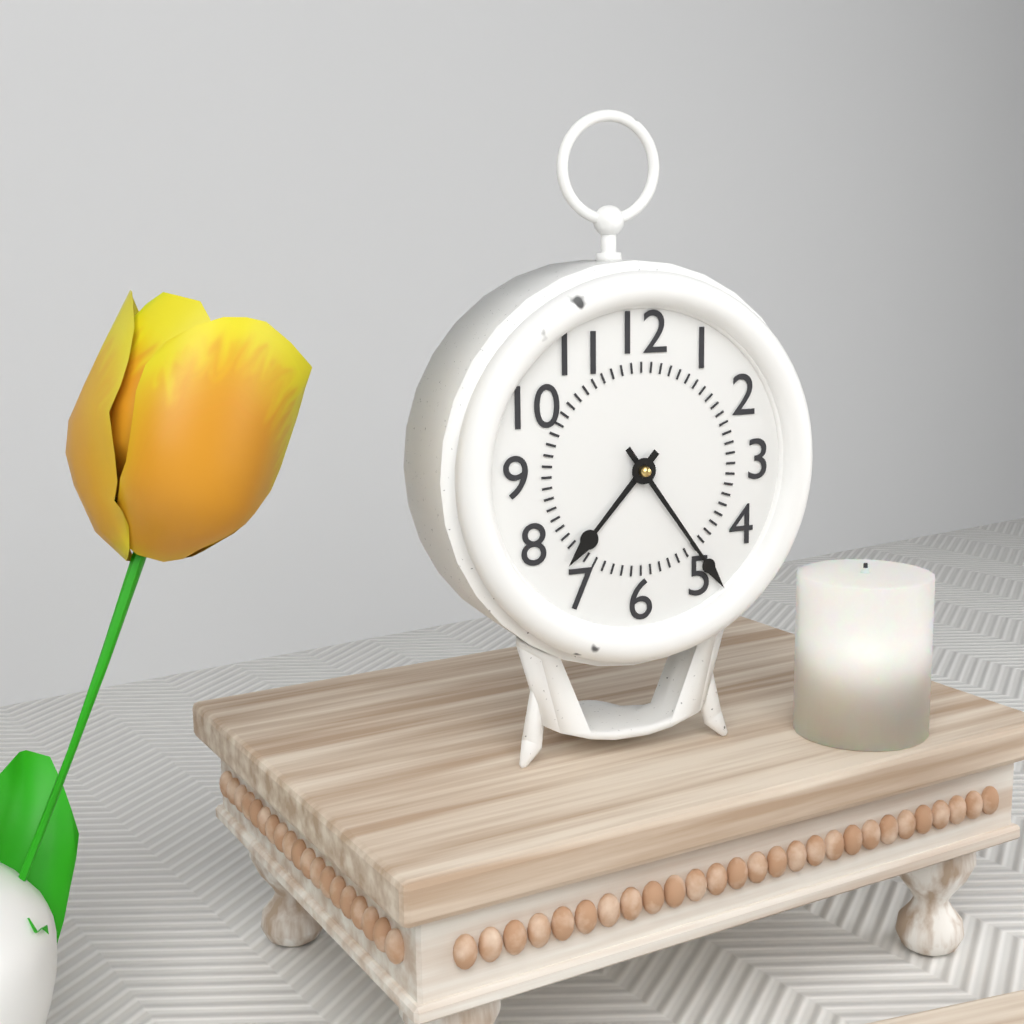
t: 7:24
